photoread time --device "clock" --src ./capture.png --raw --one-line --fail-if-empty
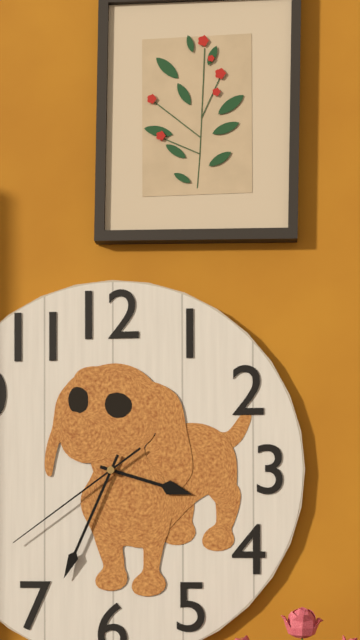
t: 3:34:39
